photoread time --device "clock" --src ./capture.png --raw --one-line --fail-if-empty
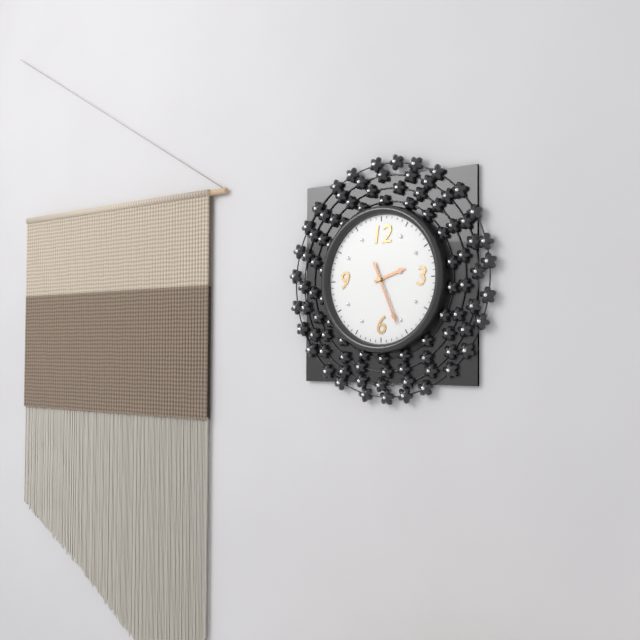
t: 2:26
